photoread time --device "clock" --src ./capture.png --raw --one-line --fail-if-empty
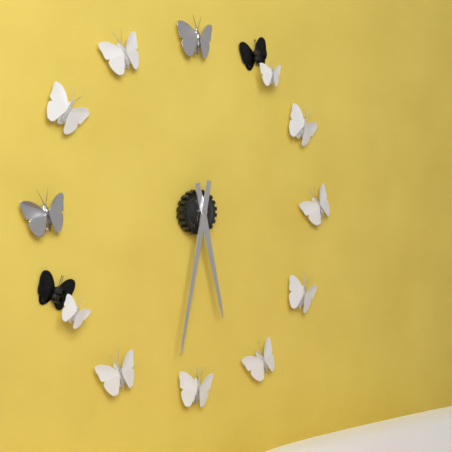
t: 5:32
